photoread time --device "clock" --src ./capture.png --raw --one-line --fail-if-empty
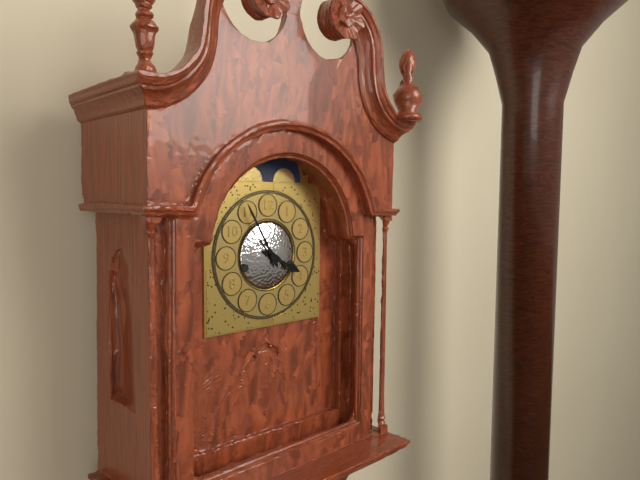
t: 3:55
